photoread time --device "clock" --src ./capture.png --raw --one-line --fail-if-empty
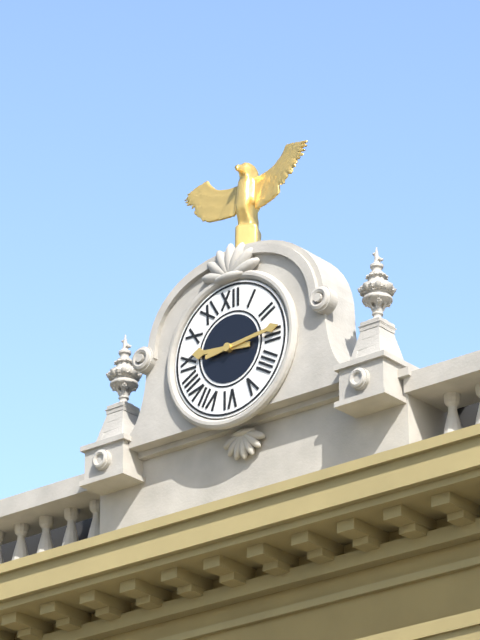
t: 9:14
